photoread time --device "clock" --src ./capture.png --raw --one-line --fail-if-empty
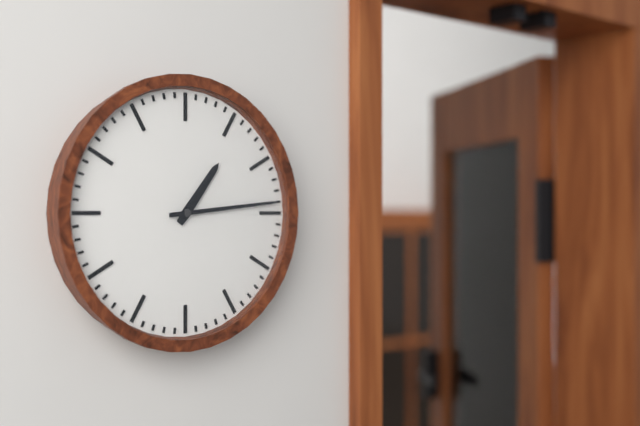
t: 1:14
